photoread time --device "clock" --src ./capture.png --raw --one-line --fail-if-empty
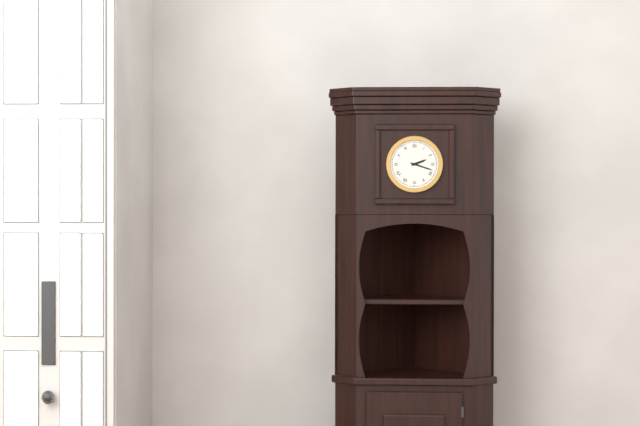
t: 2:18
